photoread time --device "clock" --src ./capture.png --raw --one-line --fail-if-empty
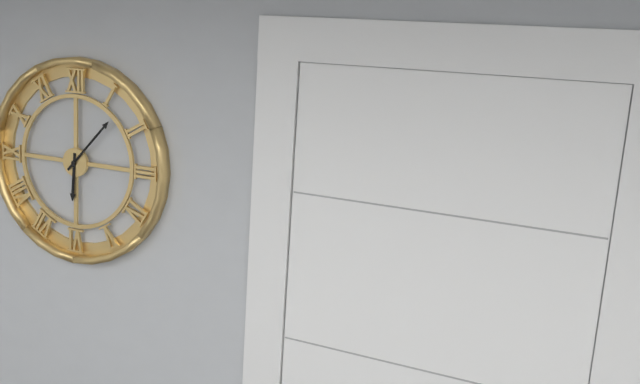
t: 6:07
